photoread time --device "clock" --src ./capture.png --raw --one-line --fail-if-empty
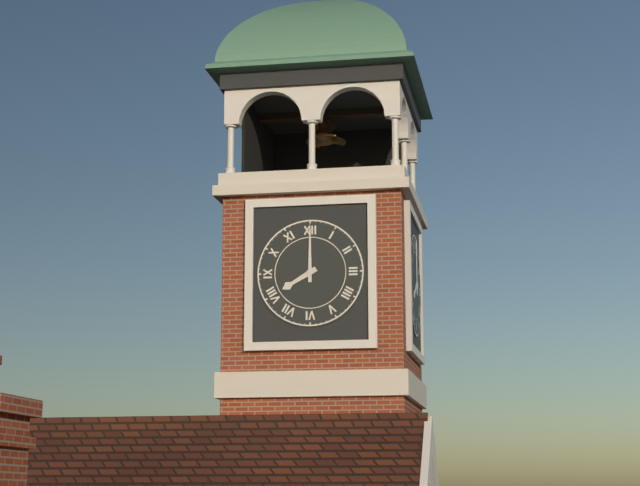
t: 8:00
